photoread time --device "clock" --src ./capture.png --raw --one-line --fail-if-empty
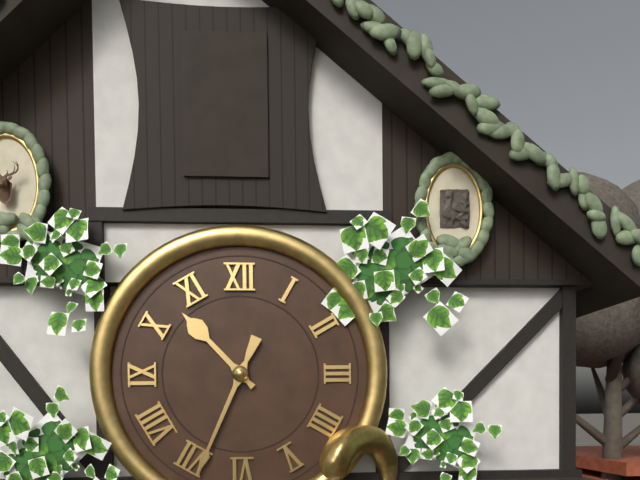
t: 10:34
